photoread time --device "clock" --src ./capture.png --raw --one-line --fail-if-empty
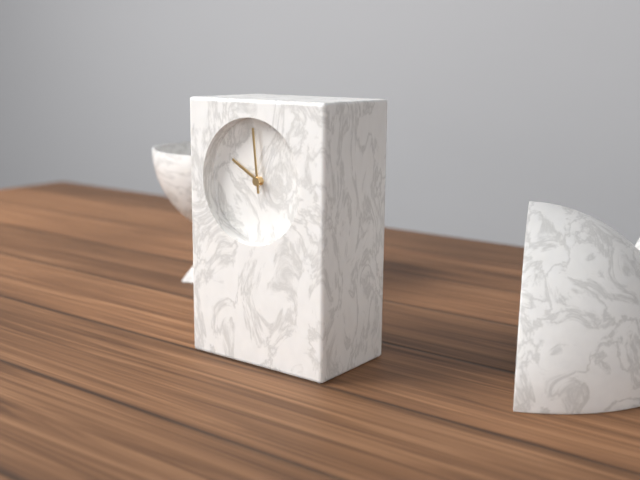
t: 9:59
